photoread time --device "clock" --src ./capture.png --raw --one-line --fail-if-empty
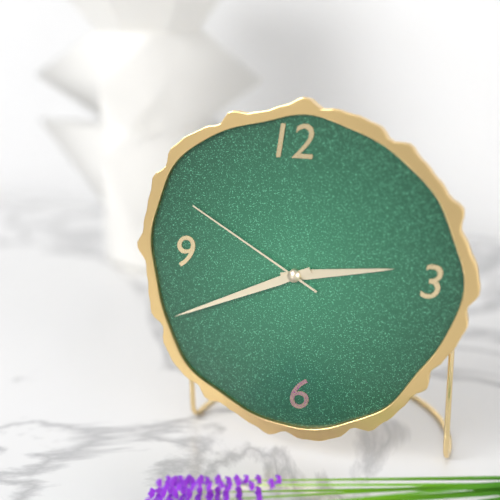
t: 2:41:50
